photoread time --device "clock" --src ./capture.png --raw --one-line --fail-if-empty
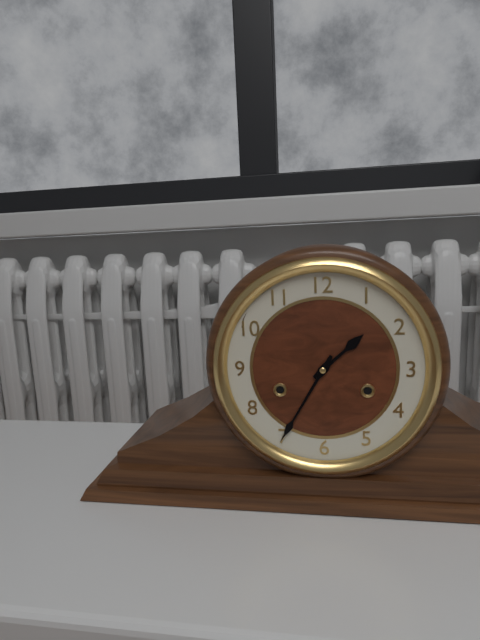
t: 1:35
